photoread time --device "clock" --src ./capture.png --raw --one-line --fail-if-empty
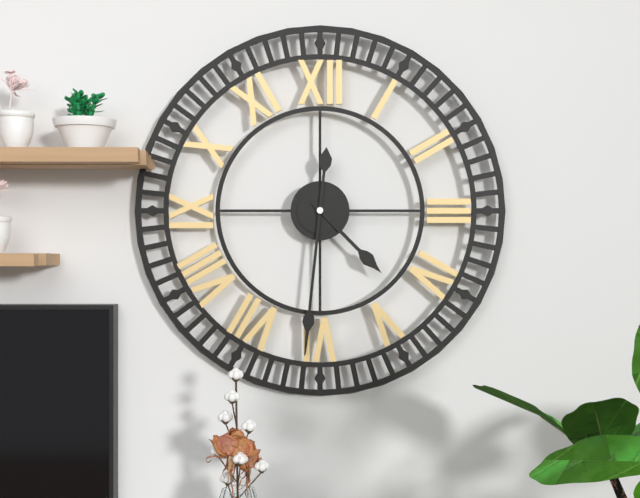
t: 4:31
